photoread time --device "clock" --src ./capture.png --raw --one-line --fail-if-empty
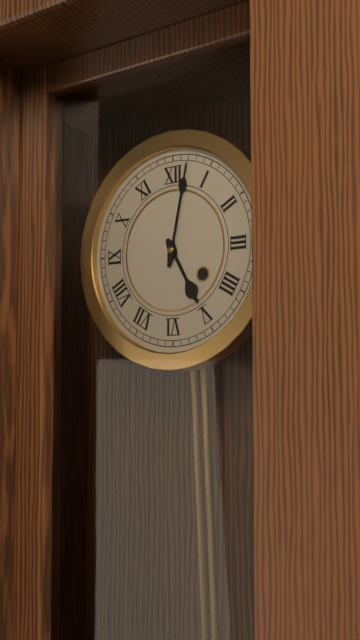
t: 5:02
